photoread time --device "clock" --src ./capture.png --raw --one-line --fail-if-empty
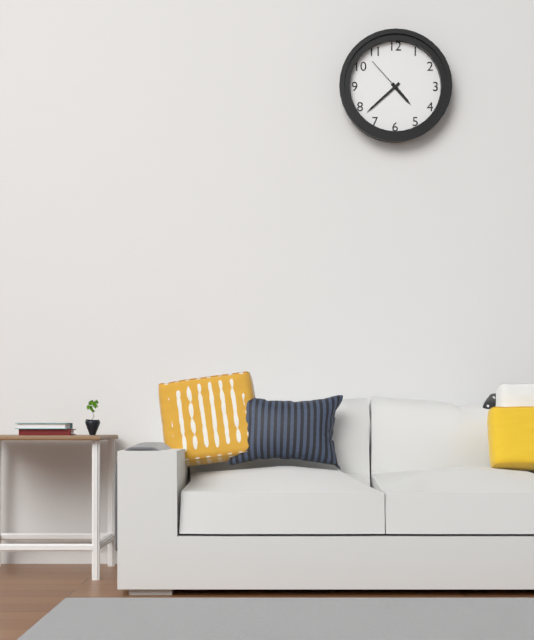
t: 4:38
